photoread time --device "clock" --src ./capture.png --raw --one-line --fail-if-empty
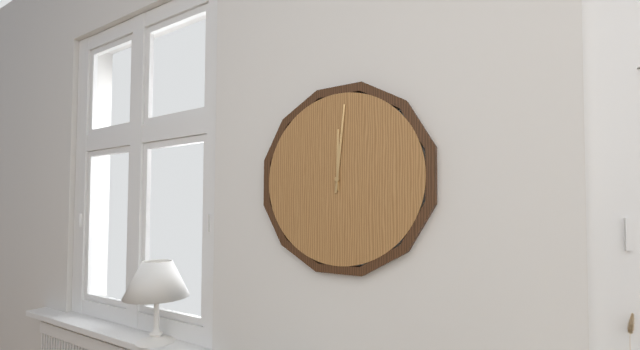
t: 12:01
